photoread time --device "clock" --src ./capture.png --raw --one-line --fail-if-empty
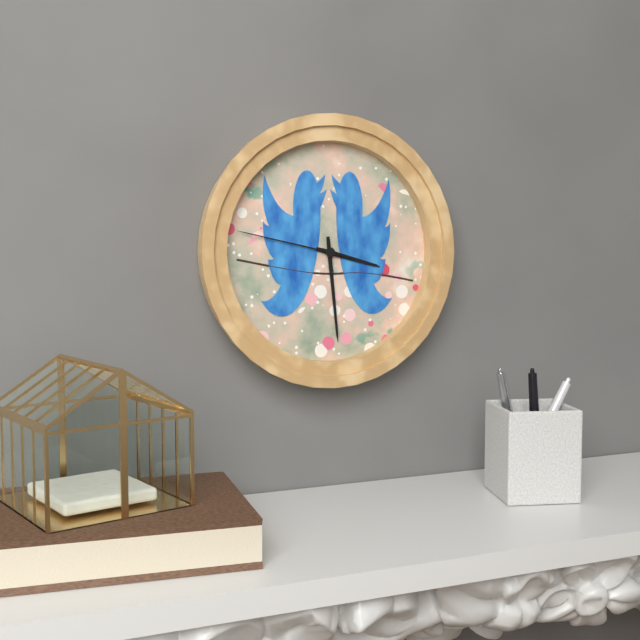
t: 3:29:47
